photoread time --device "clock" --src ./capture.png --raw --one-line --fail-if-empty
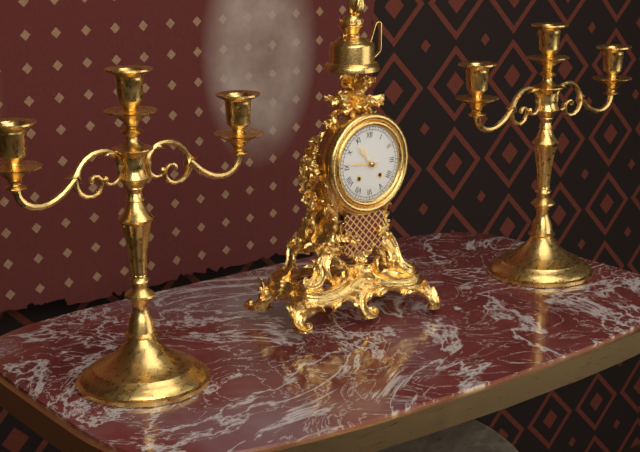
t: 10:46
